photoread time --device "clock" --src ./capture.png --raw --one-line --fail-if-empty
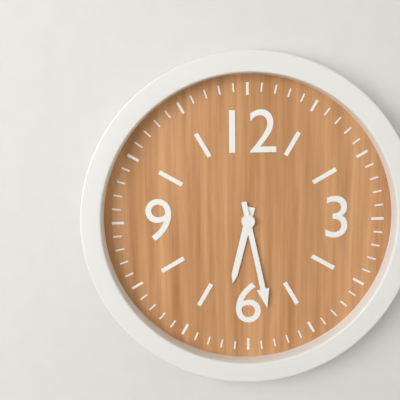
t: 6:28
